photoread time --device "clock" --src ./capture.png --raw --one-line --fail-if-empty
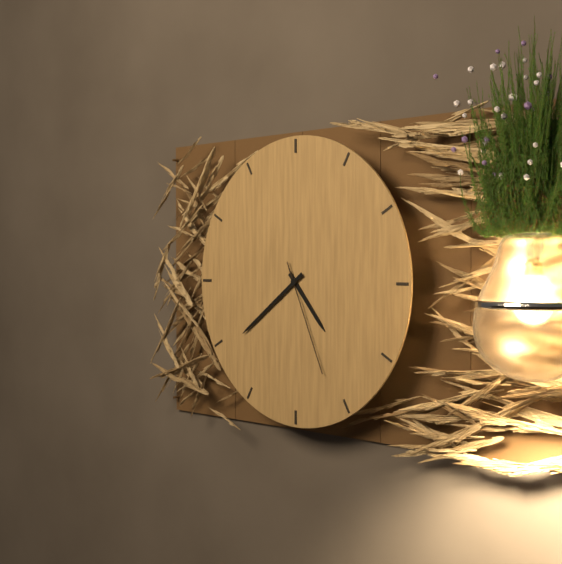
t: 4:39:26
